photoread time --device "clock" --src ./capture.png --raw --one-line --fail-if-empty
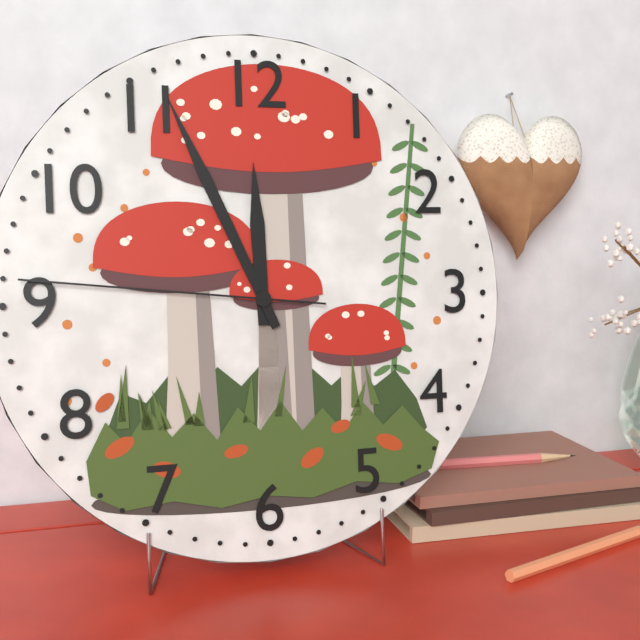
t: 11:56:46
